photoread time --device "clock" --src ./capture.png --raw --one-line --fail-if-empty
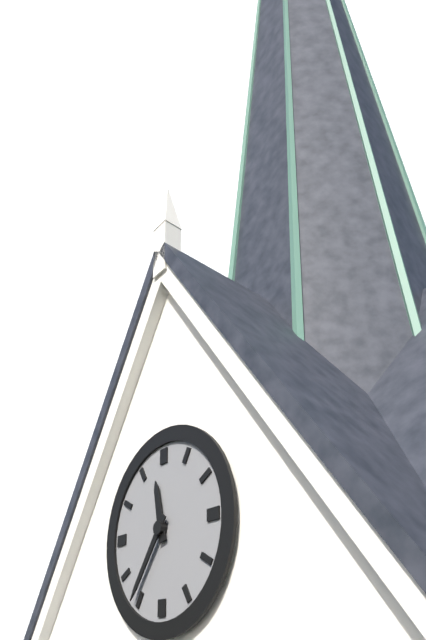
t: 11:36
